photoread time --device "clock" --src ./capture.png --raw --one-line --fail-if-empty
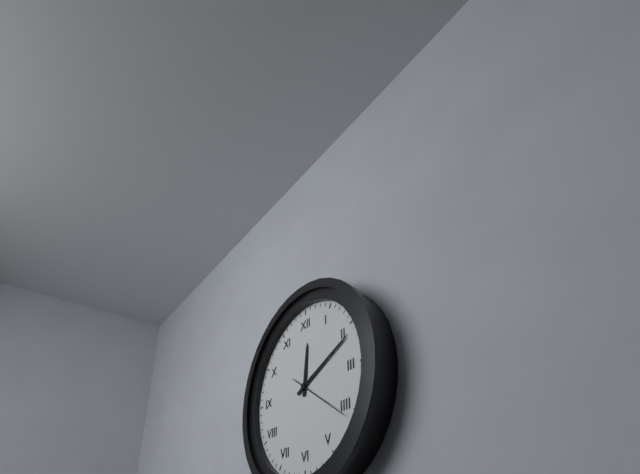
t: 12:11:21
